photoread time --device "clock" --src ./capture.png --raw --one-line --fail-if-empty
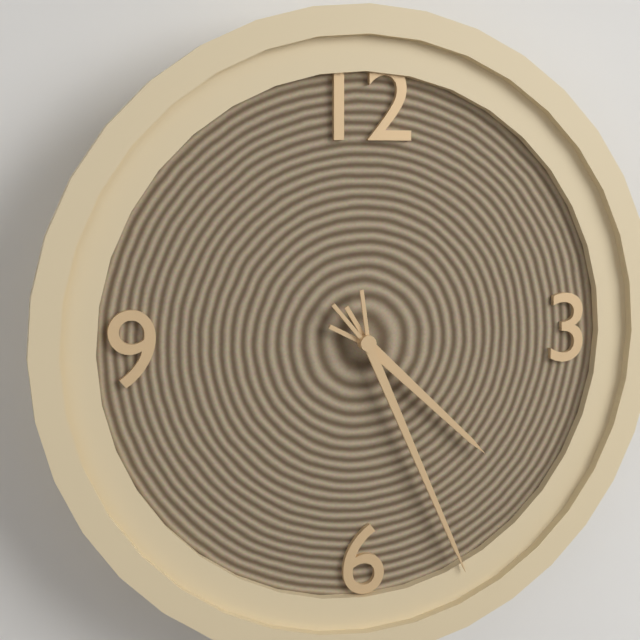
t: 4:26
